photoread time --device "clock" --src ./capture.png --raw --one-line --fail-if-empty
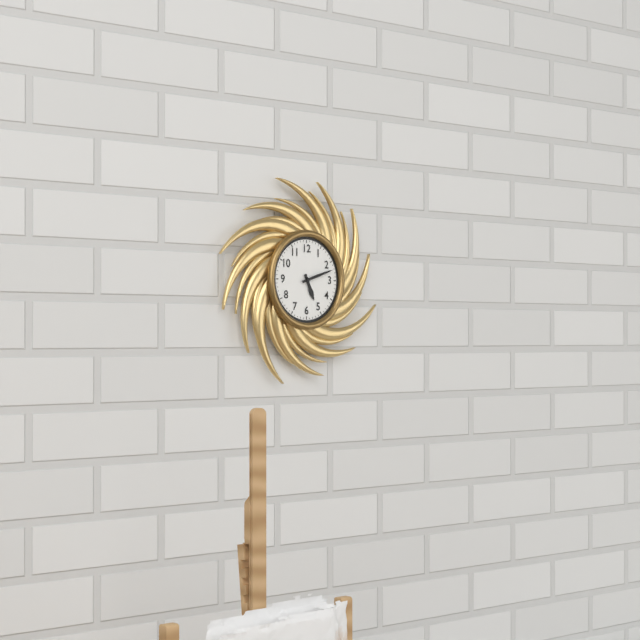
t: 5:12
